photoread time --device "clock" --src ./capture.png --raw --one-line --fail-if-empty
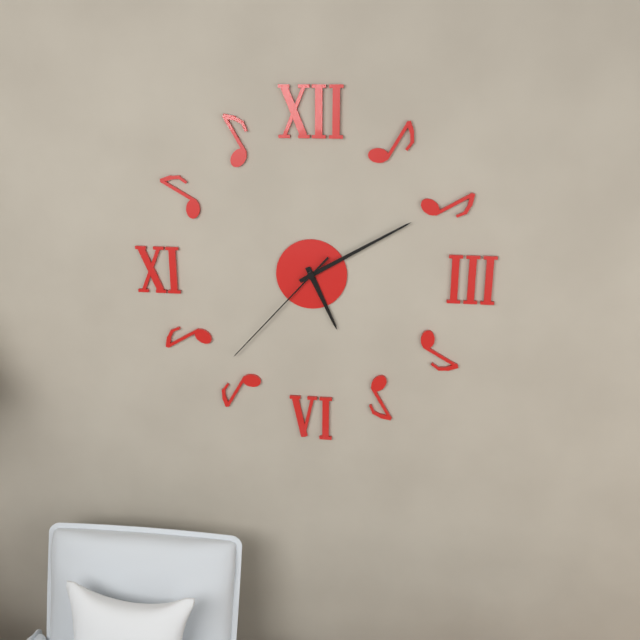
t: 5:10:37
